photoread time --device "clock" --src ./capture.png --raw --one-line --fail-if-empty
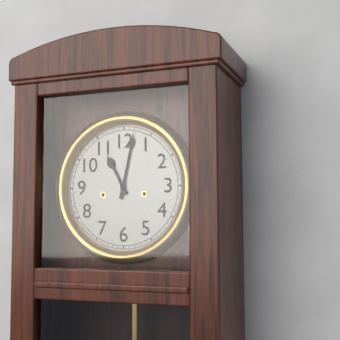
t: 11:02
